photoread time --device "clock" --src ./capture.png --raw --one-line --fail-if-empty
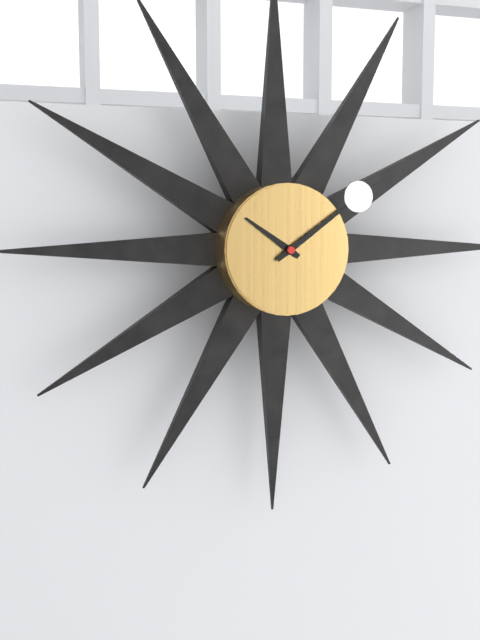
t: 10:09
